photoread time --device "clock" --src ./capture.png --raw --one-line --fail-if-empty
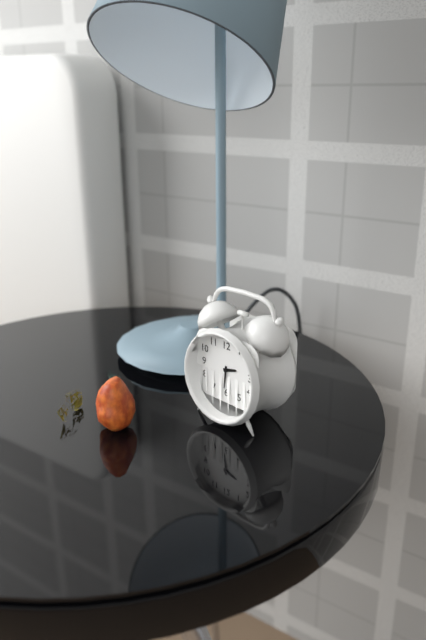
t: 2:31
